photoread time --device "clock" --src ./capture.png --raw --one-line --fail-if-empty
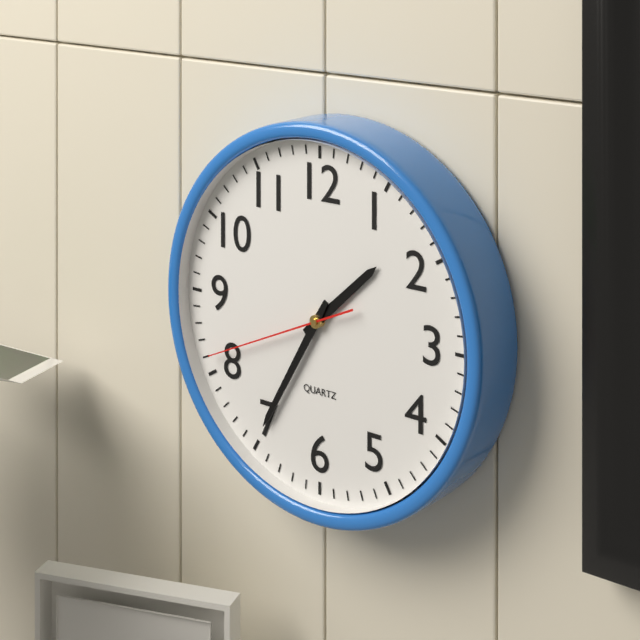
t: 1:35:41
